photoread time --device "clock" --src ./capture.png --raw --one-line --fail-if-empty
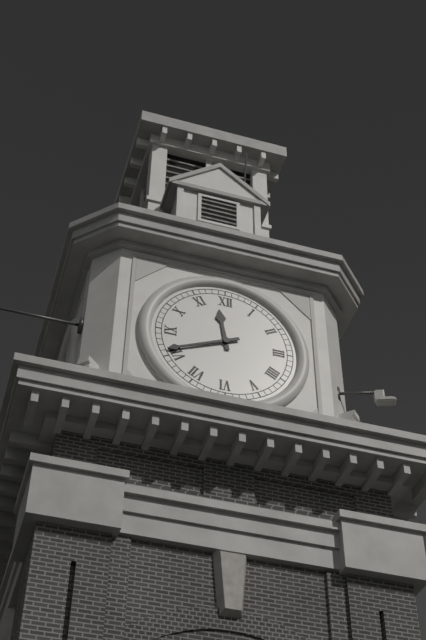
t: 11:41
